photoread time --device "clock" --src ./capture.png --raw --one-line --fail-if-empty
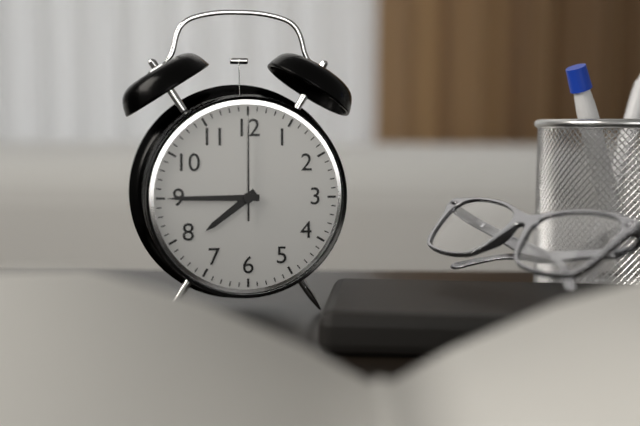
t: 7:45:00
